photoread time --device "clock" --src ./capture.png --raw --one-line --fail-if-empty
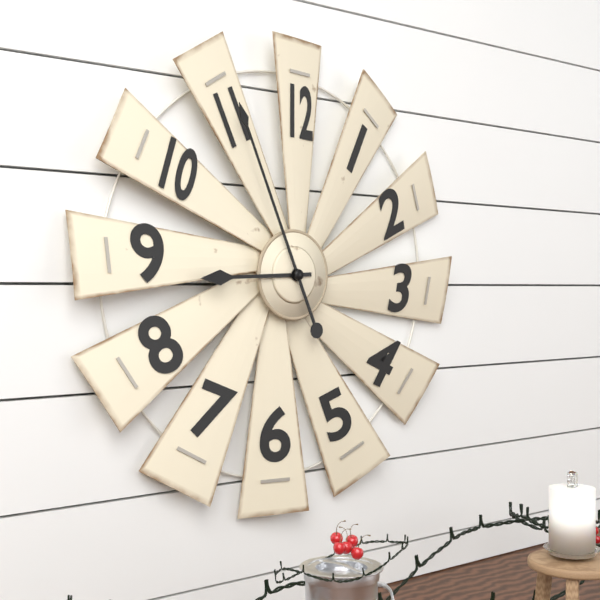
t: 8:56
